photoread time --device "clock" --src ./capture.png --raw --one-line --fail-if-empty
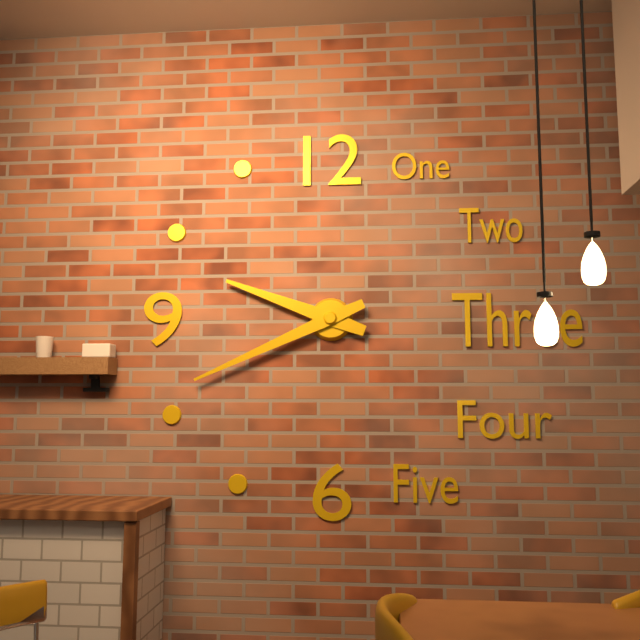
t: 9:41
